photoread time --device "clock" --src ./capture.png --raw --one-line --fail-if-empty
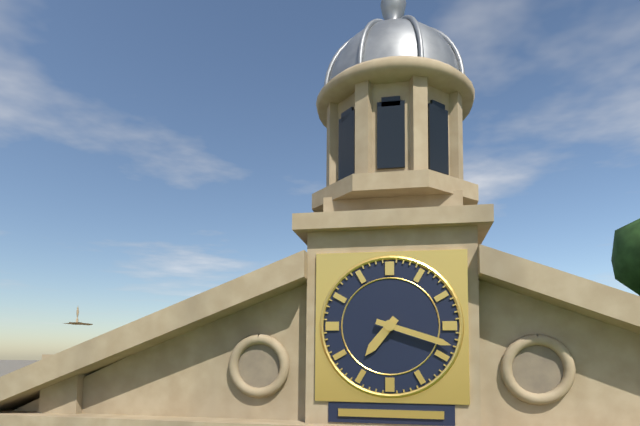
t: 7:18
